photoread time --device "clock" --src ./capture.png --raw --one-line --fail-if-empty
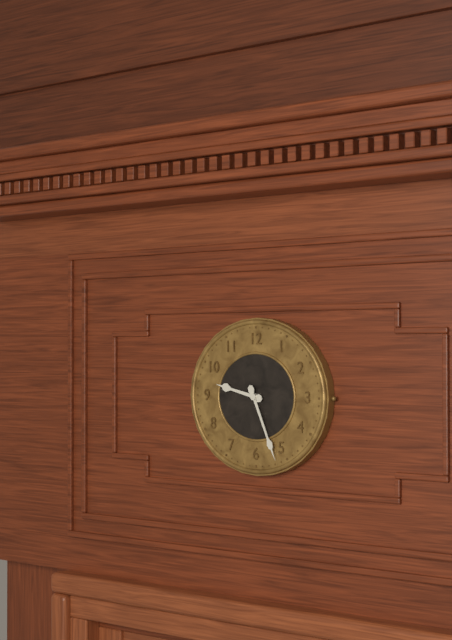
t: 9:26
